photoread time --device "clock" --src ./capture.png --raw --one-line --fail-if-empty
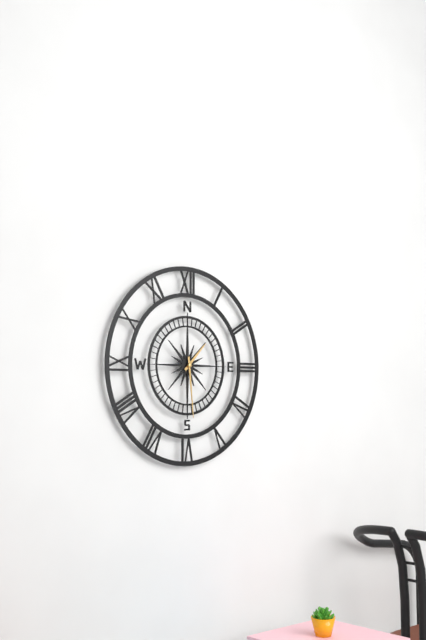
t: 1:29
